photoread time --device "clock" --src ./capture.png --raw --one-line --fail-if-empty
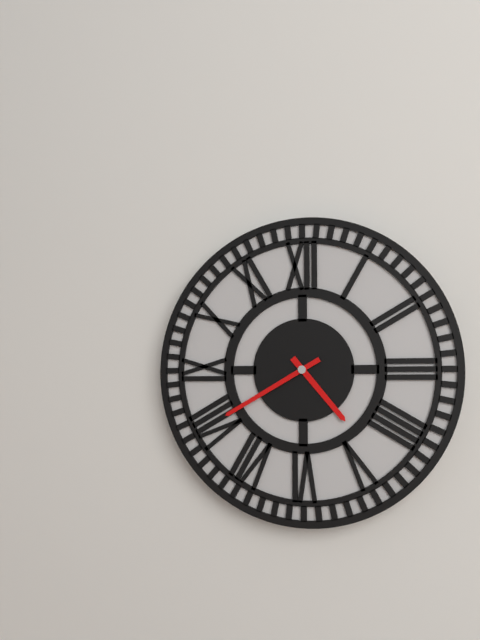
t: 4:40
